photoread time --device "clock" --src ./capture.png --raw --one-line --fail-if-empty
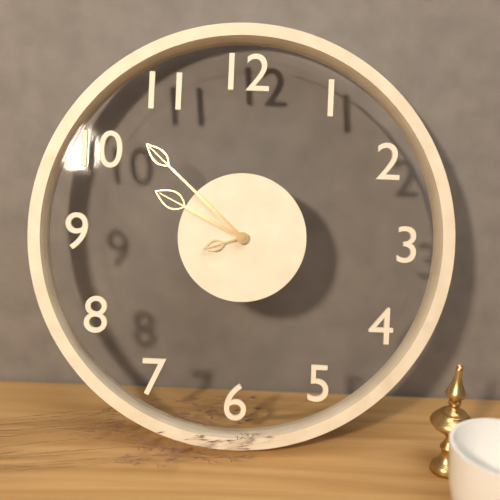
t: 9:52:42
